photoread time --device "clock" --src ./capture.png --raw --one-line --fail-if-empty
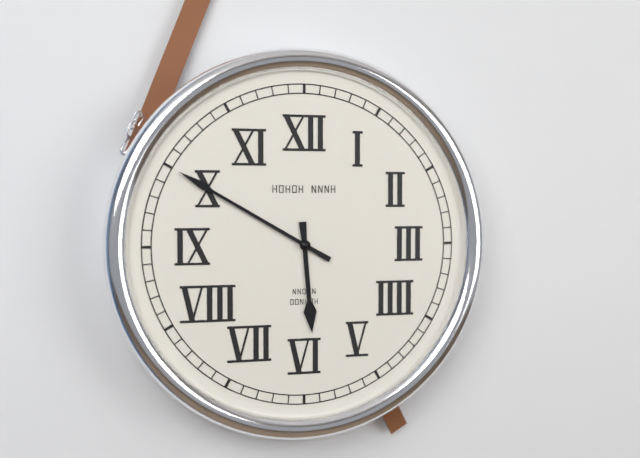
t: 5:50
